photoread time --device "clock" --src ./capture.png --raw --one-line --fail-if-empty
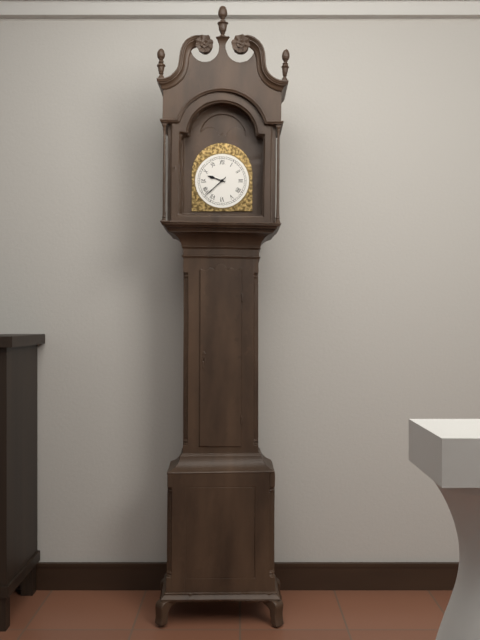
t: 9:38
